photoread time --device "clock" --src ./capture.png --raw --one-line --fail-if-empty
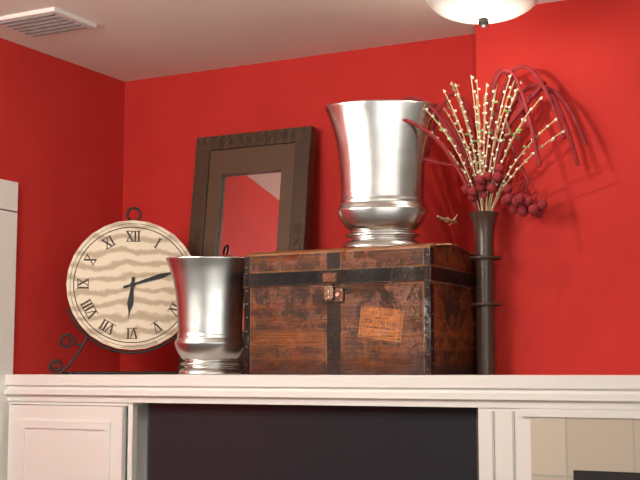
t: 6:12
